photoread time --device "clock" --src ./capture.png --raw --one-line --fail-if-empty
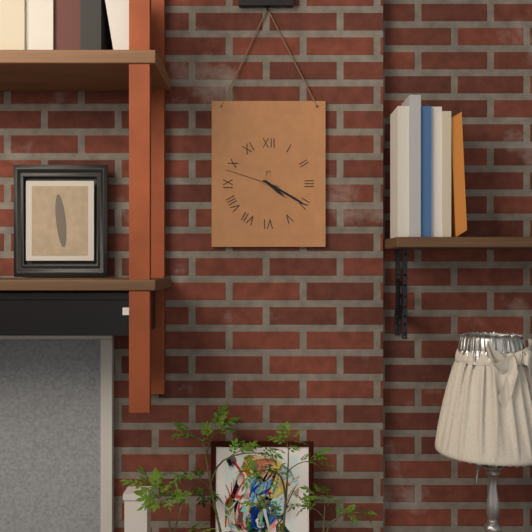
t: 4:20:48
